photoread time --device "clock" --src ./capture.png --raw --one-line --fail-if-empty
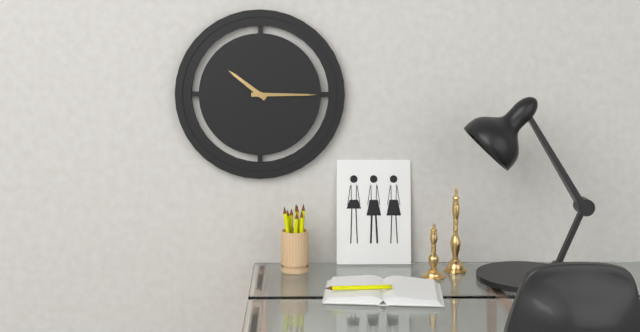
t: 10:15
